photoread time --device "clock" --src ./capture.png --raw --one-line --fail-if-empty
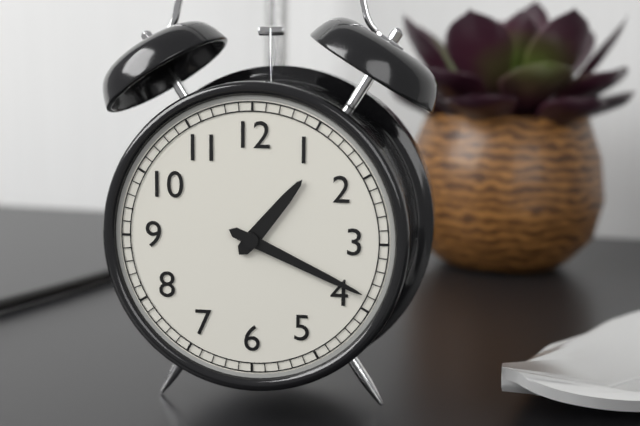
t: 1:19
